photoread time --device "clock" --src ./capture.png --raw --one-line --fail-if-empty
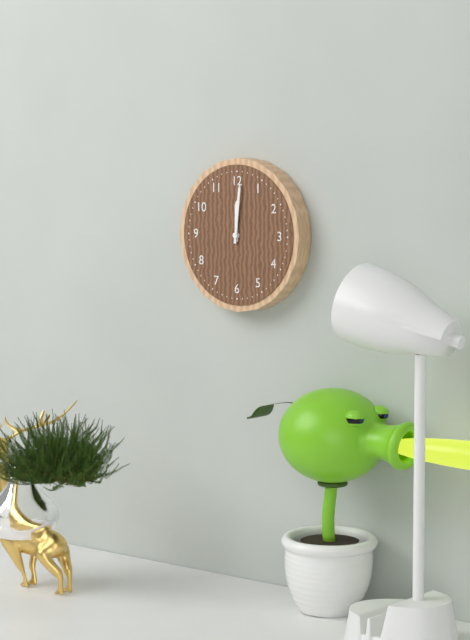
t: 12:01
